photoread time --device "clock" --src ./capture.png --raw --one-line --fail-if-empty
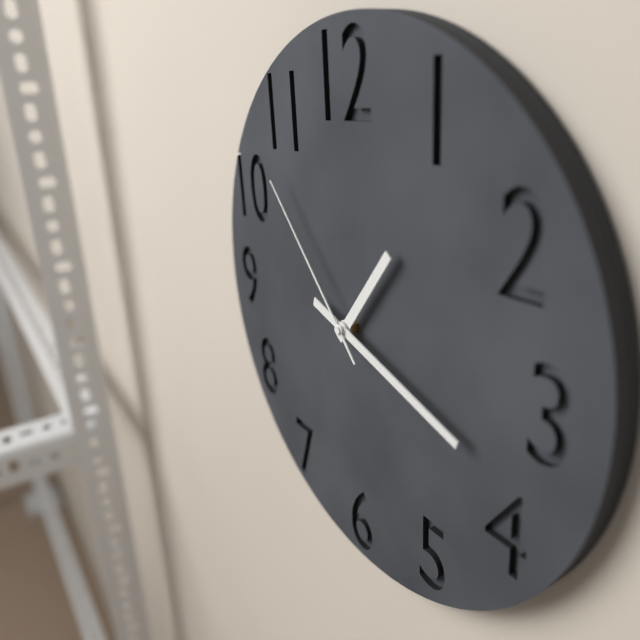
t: 1:18:53
